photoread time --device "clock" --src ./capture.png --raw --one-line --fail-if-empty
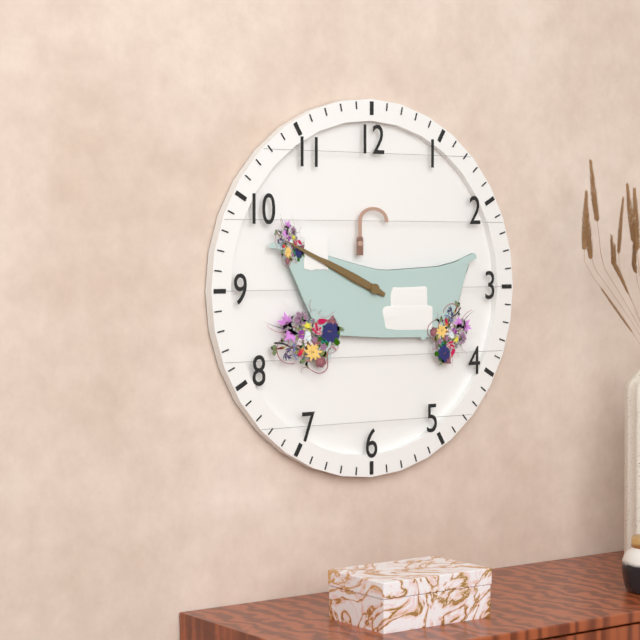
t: 9:49
